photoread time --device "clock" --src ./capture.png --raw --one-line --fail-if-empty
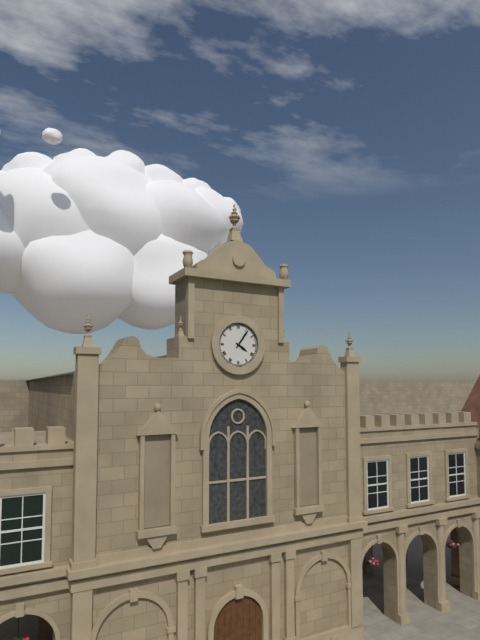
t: 4:06
